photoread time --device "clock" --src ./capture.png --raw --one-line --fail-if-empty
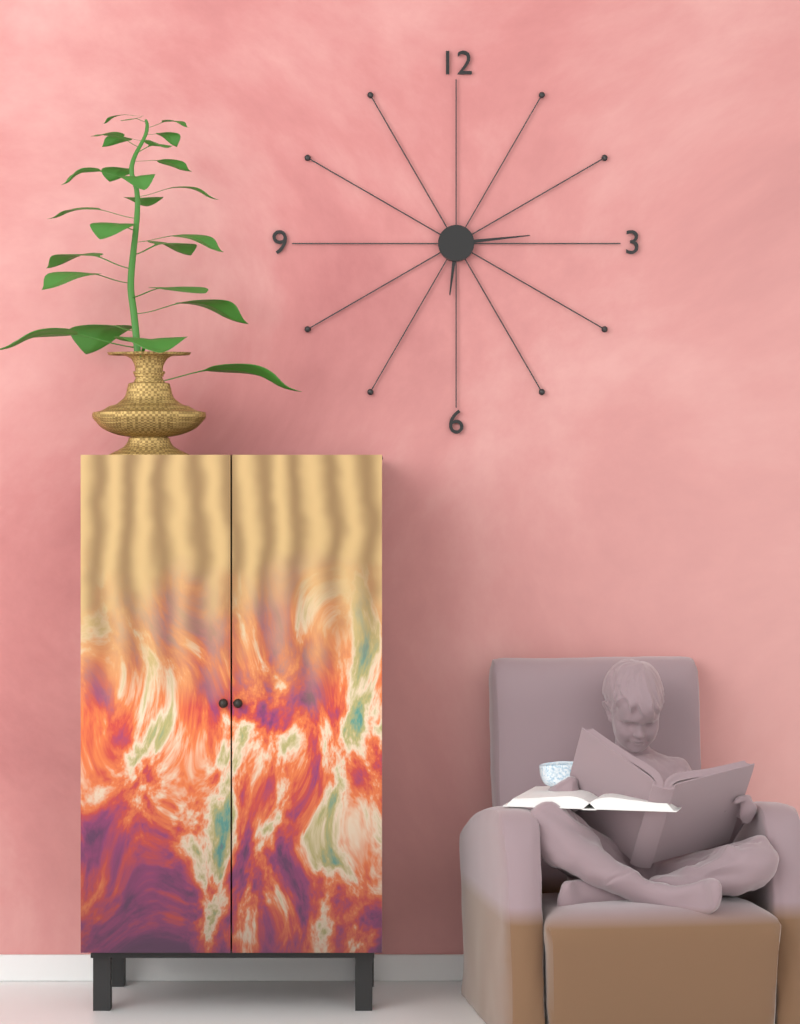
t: 6:14
